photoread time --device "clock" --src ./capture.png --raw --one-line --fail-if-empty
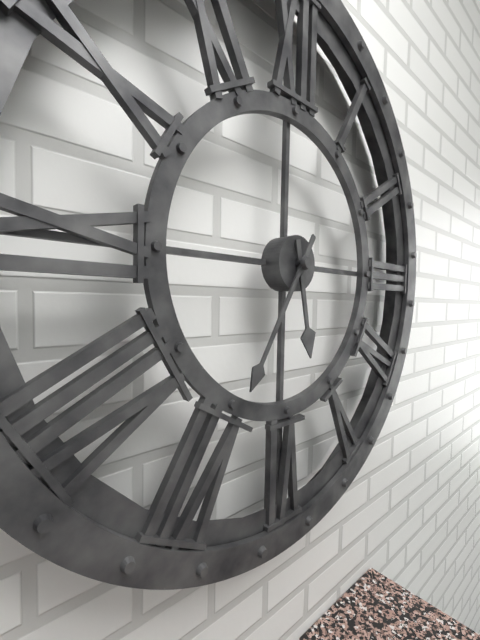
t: 5:35
